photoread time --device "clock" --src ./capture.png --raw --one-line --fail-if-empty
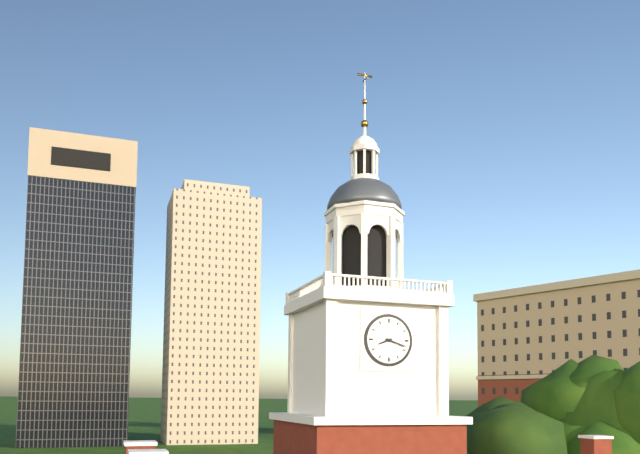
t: 8:18
